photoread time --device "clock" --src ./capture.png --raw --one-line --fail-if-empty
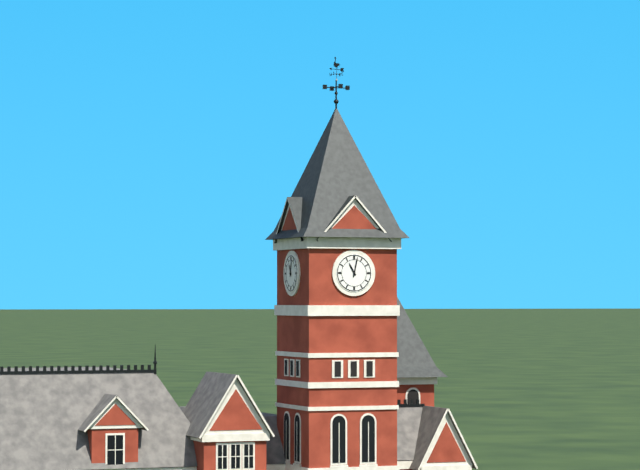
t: 11:02
